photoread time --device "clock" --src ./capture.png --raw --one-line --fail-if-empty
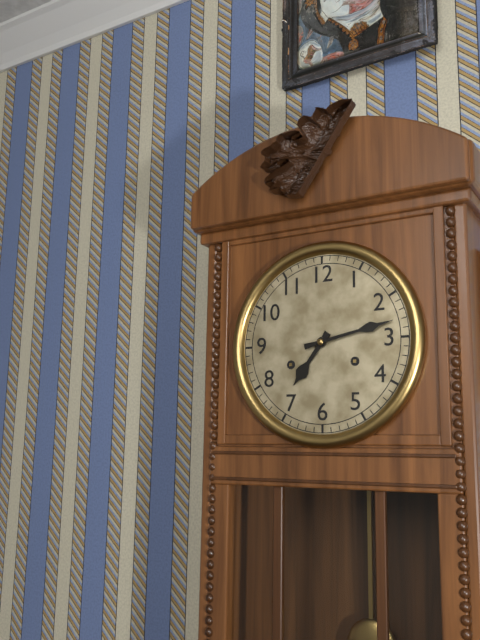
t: 7:13
